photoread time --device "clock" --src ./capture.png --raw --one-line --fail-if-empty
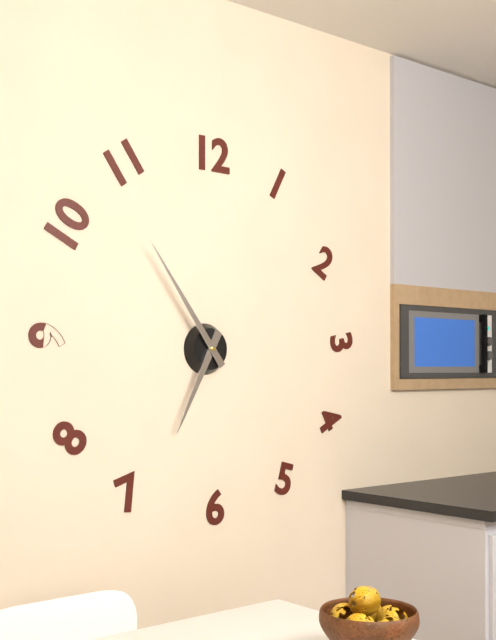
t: 6:54
